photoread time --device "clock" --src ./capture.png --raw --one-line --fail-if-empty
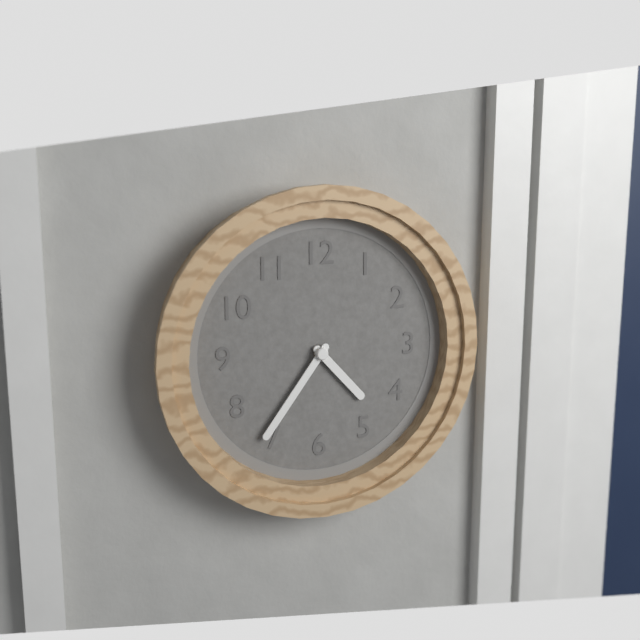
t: 4:36
